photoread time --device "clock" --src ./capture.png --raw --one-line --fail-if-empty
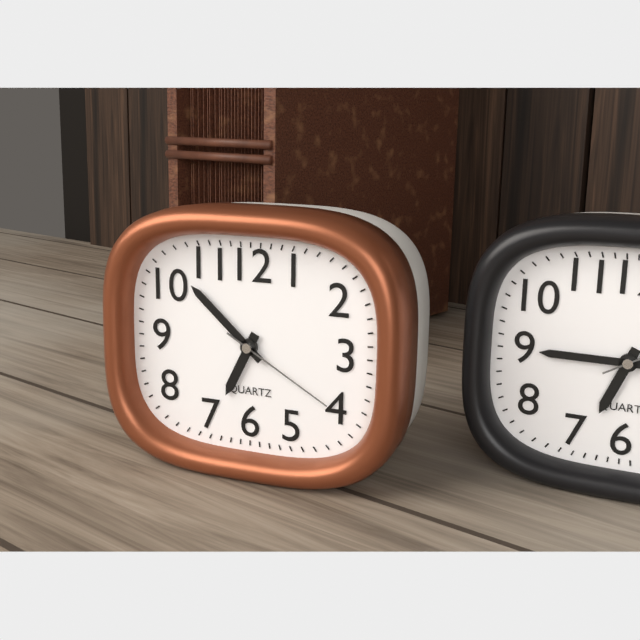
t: 6:52:20
